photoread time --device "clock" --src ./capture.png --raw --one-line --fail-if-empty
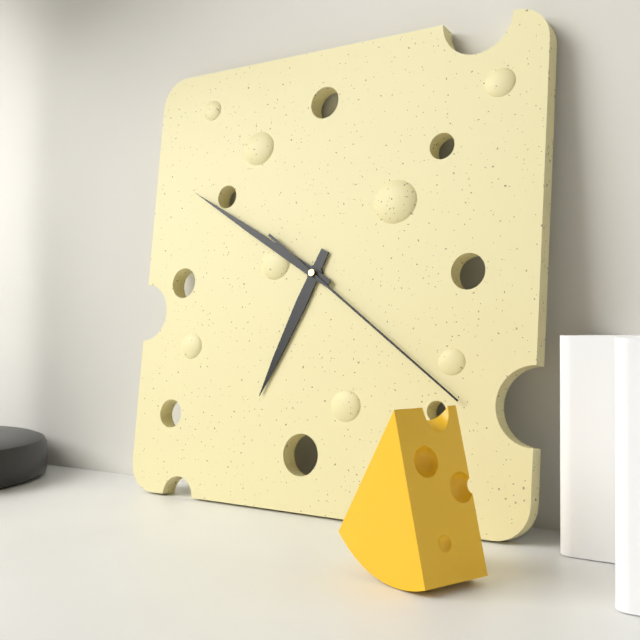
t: 6:50:21
